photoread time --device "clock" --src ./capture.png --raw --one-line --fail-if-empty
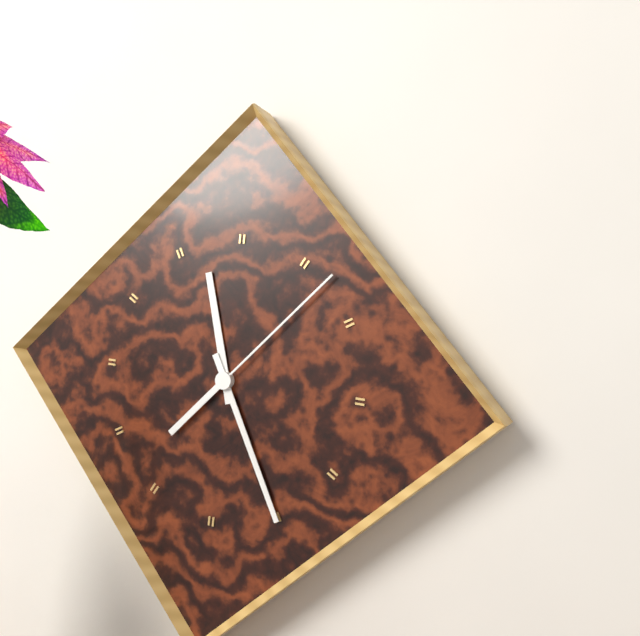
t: 11:25:07
